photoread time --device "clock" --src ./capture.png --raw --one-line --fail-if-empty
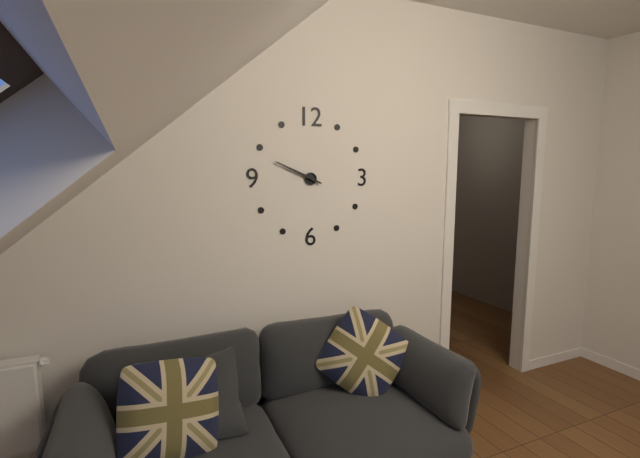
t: 9:49
